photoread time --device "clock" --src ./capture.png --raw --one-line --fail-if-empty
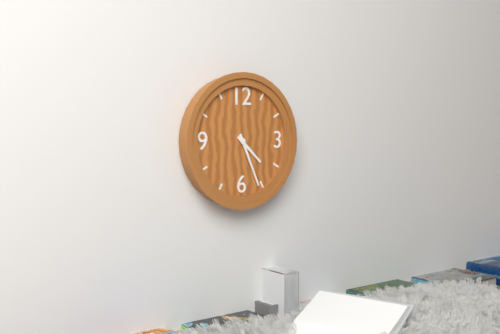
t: 4:26
